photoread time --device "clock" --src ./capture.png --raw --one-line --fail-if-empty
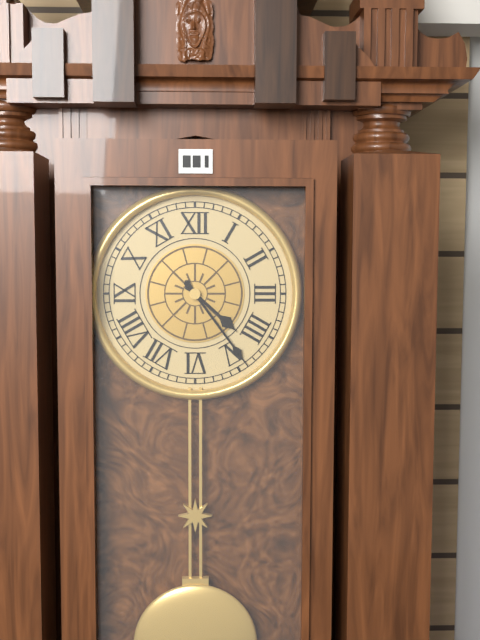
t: 4:24
